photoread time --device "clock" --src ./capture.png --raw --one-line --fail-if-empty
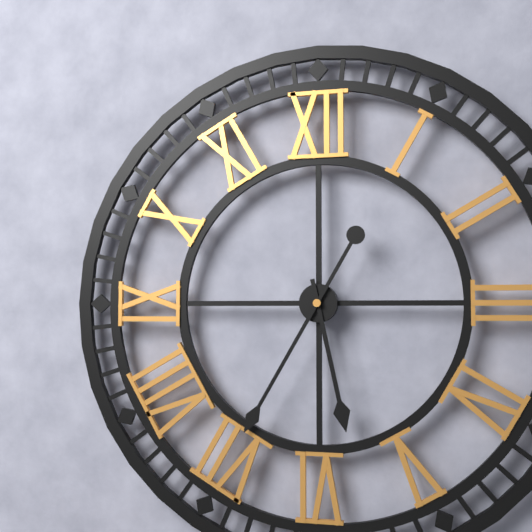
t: 5:35
